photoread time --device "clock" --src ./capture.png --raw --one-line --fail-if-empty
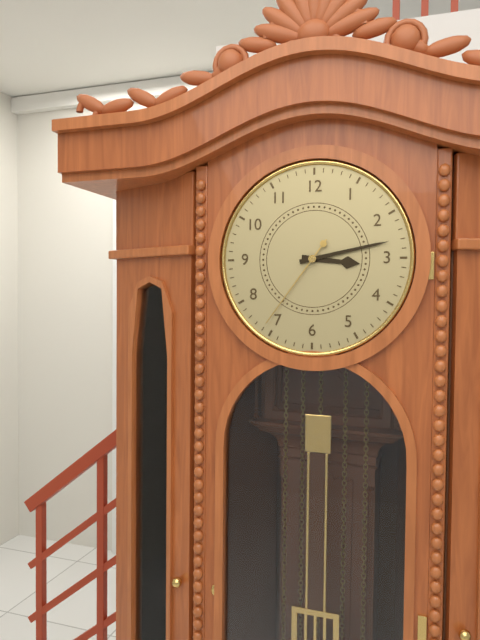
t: 3:13:36
